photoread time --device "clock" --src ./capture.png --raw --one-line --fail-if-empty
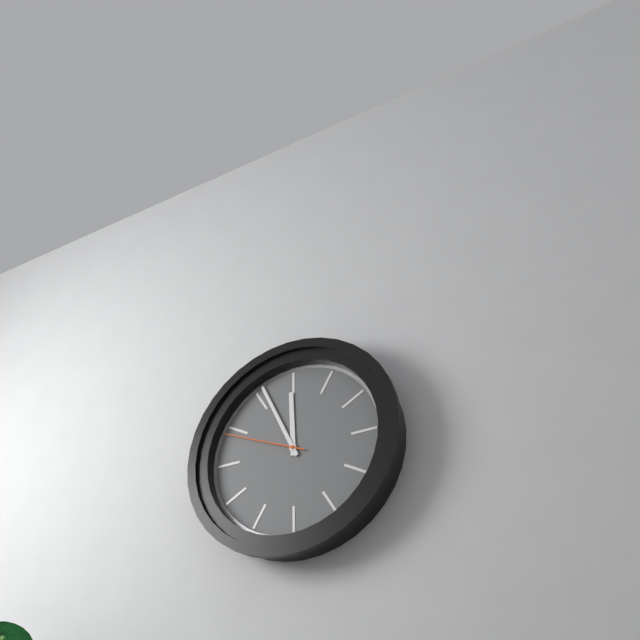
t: 11:56:49
